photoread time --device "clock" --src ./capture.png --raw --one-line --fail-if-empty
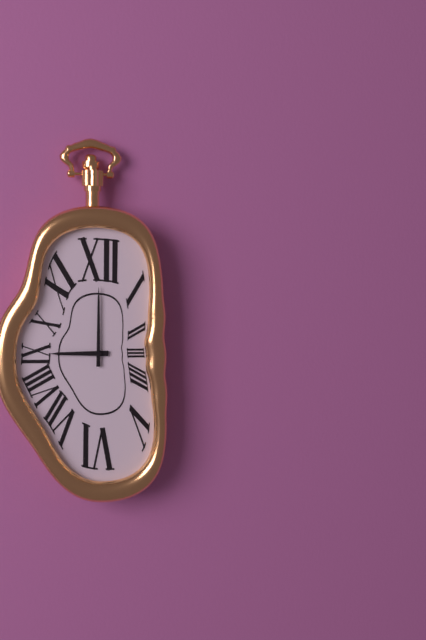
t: 9:00
